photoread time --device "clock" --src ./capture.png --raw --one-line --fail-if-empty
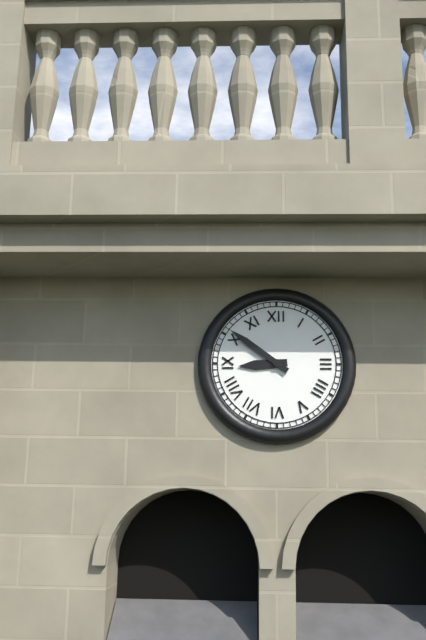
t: 8:51
